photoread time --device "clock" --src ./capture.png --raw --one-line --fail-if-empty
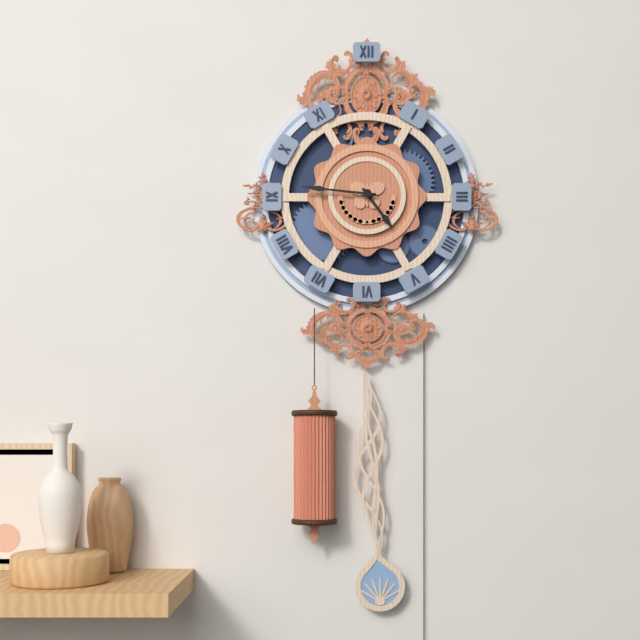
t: 4:46
